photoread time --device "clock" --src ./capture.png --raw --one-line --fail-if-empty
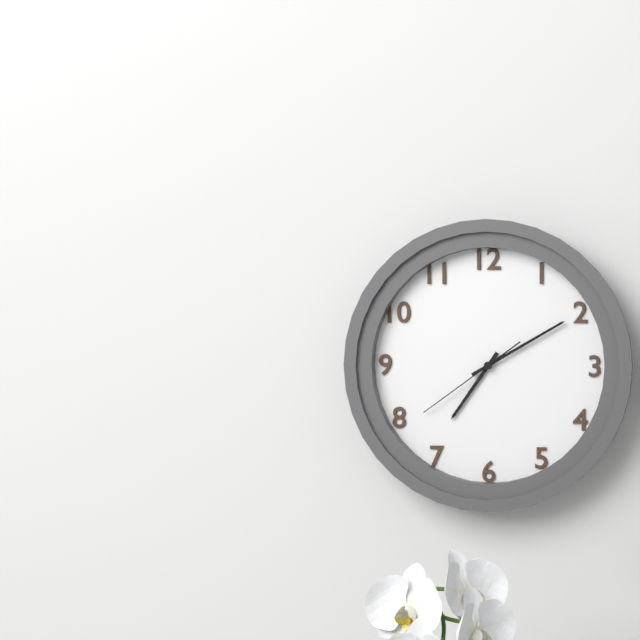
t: 7:10:39
